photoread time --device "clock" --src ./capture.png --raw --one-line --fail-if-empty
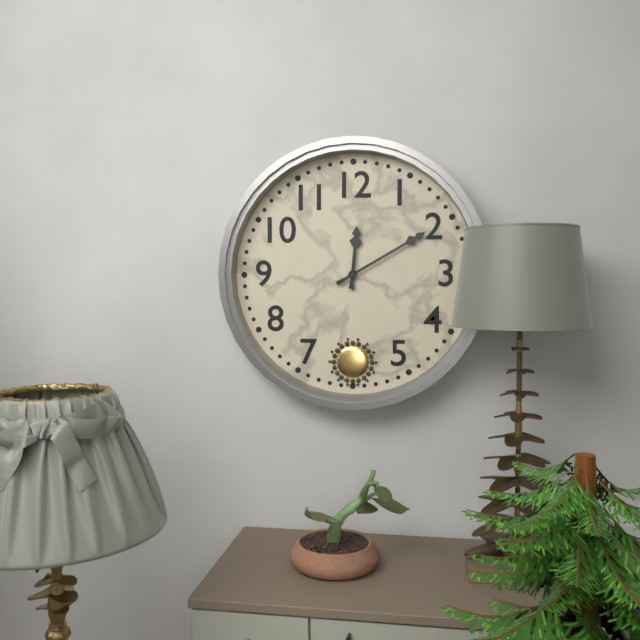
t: 12:10
